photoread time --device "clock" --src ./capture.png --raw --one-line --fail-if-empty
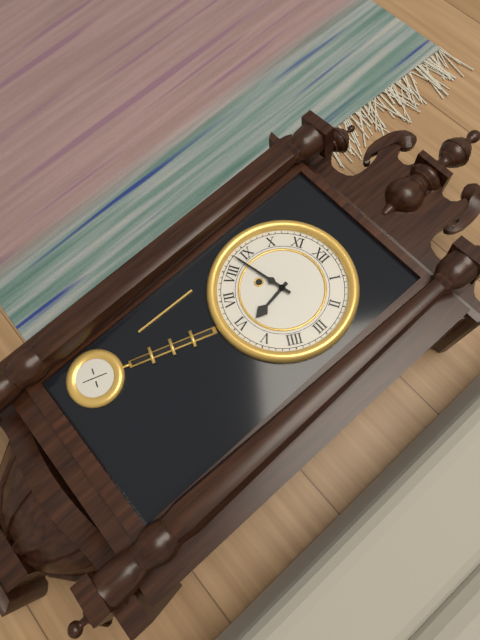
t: 5:43
